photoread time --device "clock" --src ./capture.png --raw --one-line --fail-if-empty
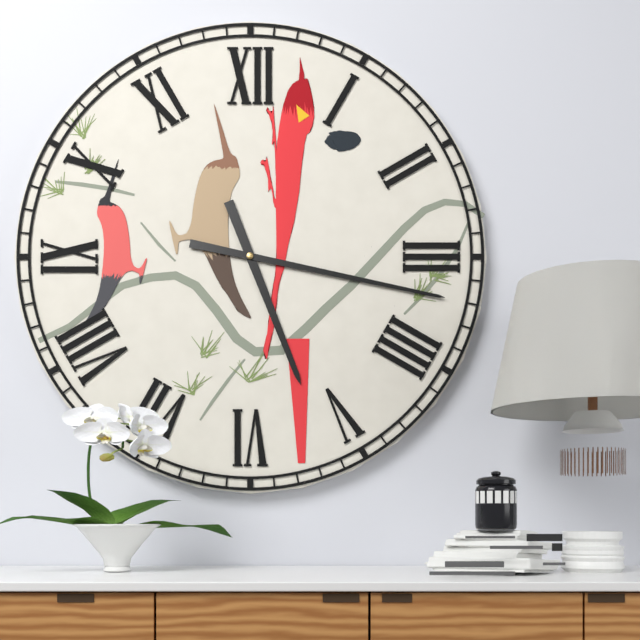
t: 5:17
